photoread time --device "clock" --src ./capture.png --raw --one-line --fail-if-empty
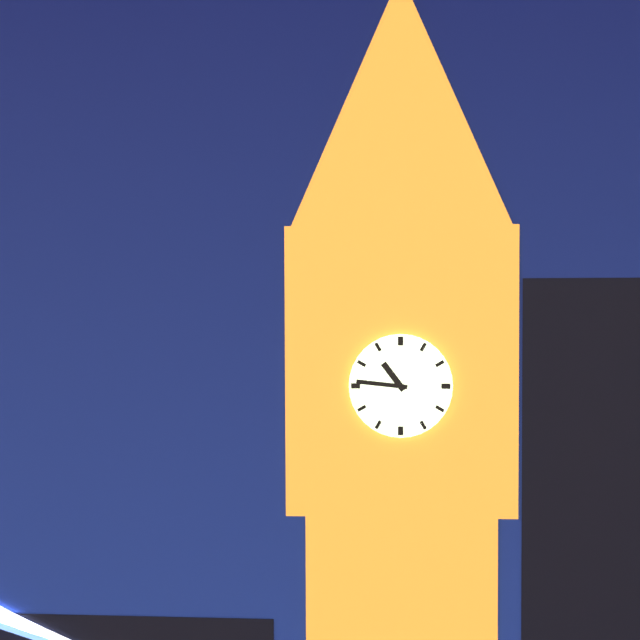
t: 10:46
